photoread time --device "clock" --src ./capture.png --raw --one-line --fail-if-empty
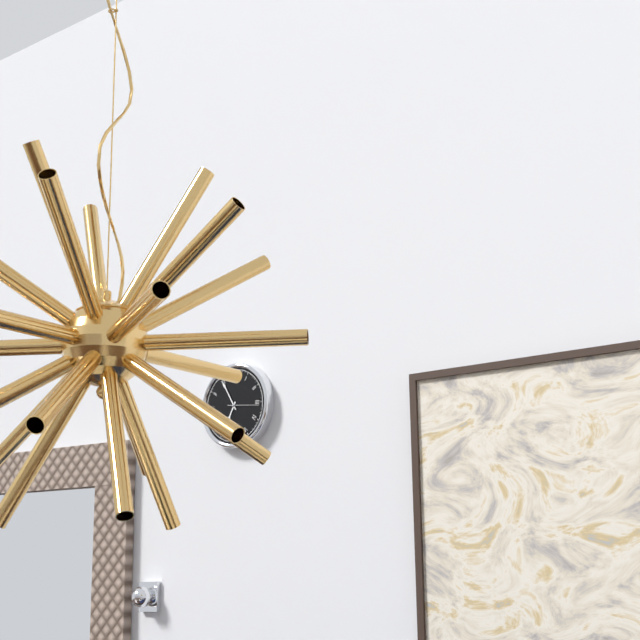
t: 6:55
